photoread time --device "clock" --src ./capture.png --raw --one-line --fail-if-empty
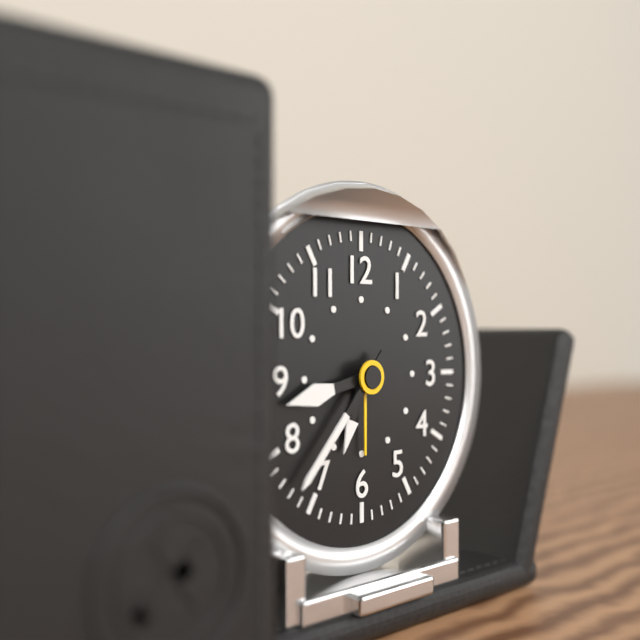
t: 8:37
